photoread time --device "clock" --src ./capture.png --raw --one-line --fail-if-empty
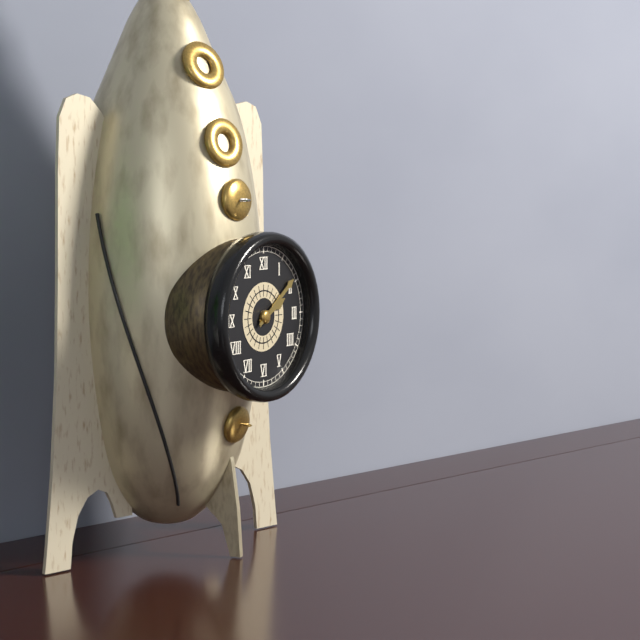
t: 2:09
